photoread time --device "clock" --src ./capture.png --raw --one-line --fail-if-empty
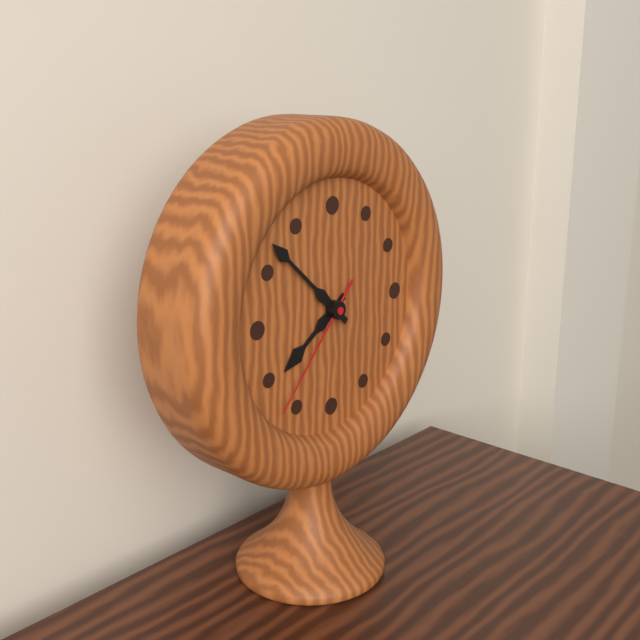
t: 7:52:37
